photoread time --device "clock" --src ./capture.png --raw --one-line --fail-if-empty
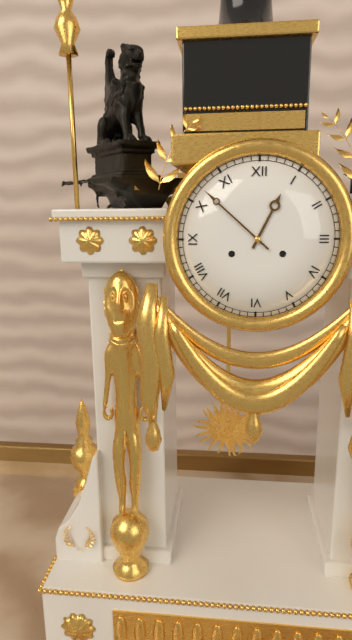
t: 12:52
